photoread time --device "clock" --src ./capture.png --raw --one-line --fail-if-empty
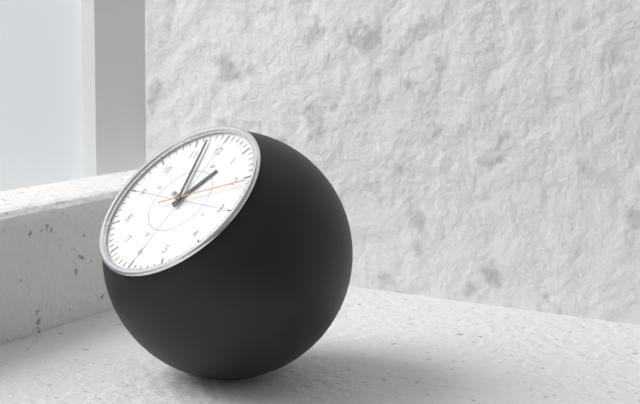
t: 12:57:11
